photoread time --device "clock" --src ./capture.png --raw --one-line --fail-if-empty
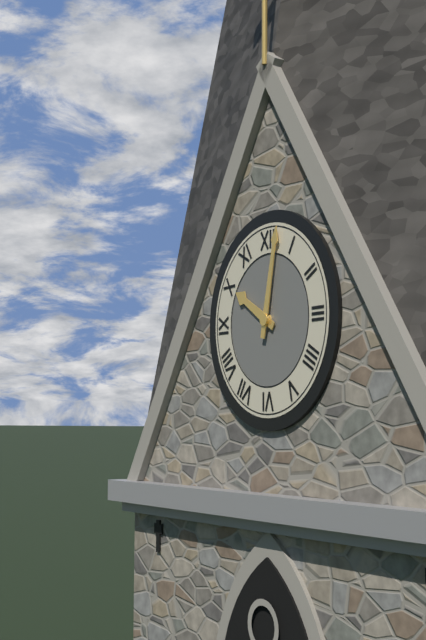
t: 10:02
